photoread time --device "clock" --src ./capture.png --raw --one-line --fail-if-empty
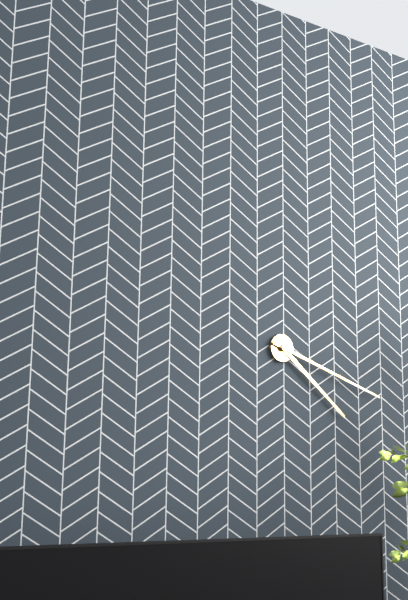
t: 4:18
